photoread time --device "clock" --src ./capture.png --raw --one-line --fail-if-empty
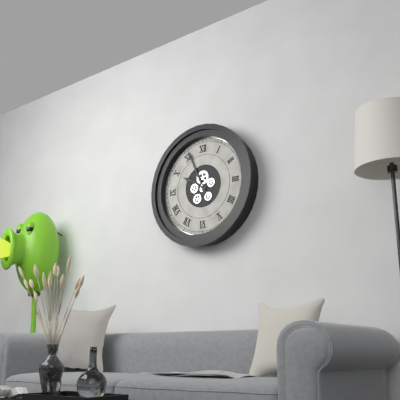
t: 9:56
